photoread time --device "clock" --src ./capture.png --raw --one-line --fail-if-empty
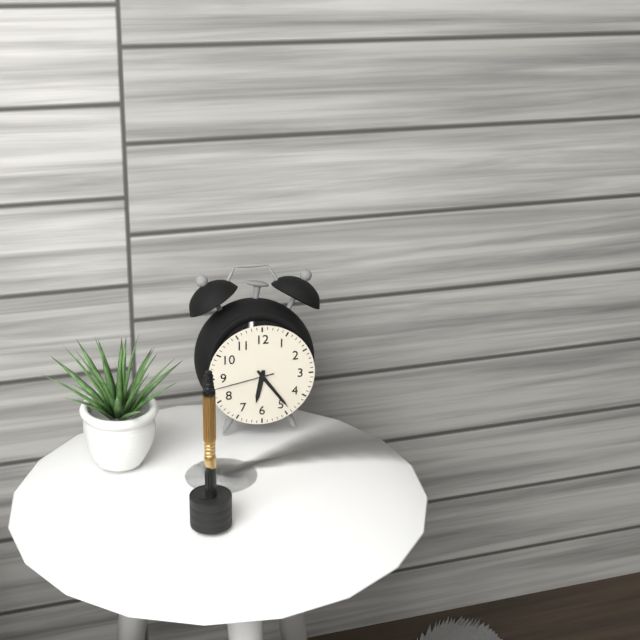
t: 6:24:43
